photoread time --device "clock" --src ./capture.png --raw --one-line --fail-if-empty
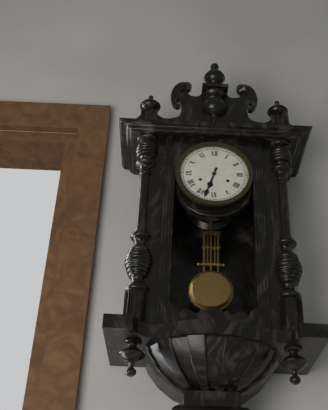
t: 6:33
